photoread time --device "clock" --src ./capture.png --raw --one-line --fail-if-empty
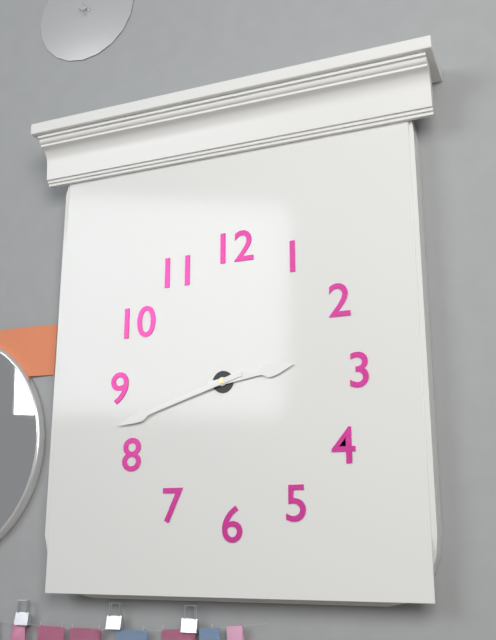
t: 2:42
